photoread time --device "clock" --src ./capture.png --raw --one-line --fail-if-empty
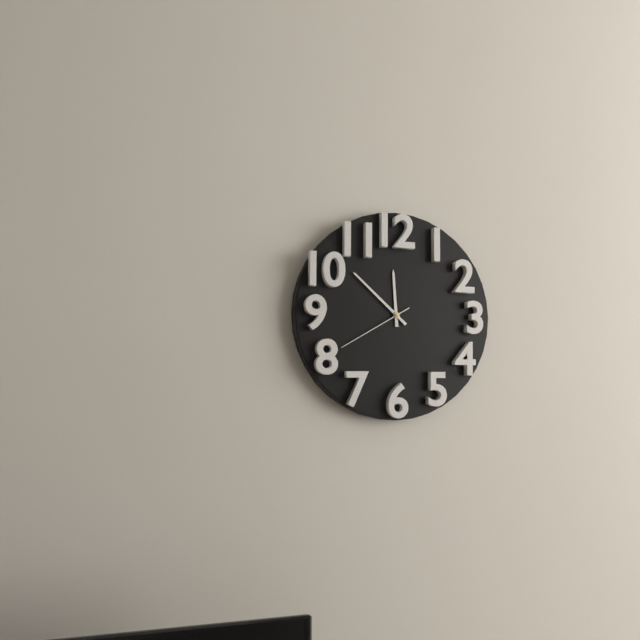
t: 11:52:40
